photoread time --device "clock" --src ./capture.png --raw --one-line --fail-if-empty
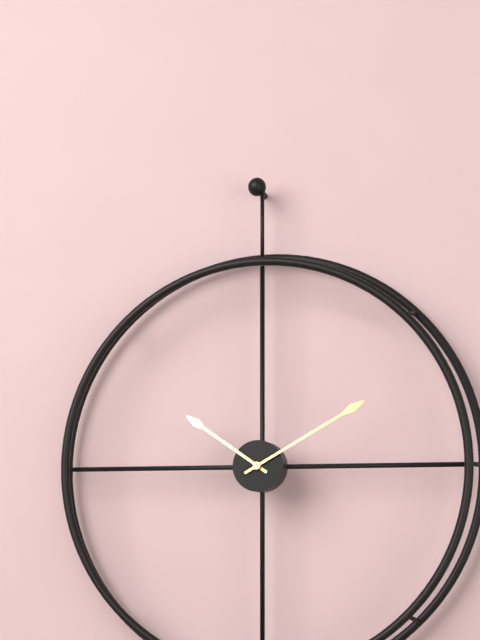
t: 10:10
